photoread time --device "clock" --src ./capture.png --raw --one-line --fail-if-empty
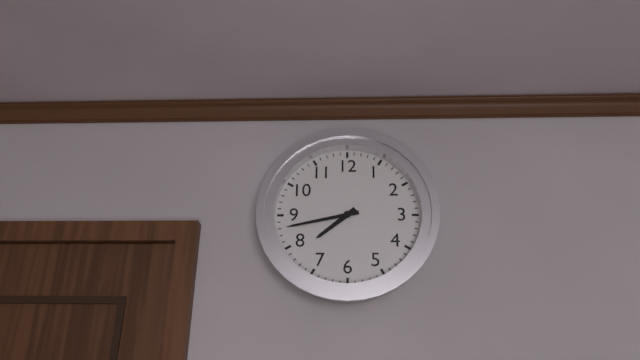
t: 7:43
